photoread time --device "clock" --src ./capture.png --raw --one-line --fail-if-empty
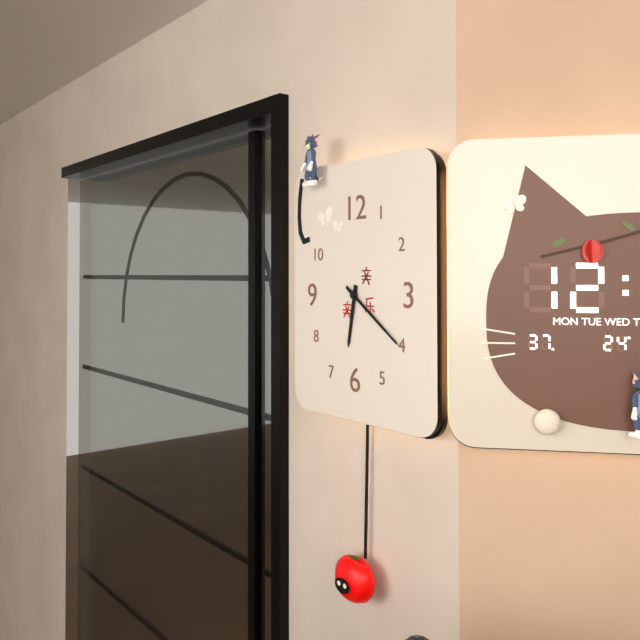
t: 6:21
